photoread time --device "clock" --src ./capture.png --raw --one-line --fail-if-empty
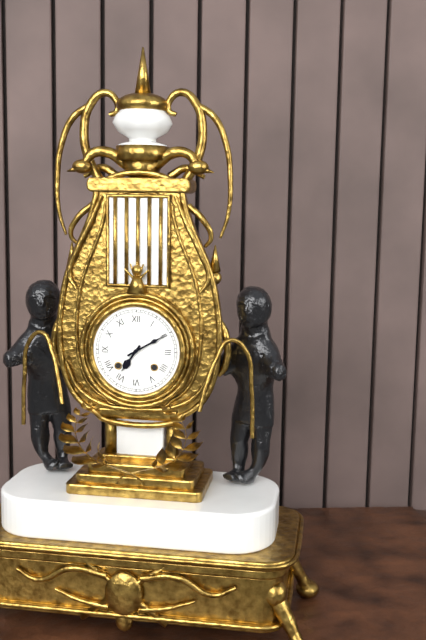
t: 7:10
